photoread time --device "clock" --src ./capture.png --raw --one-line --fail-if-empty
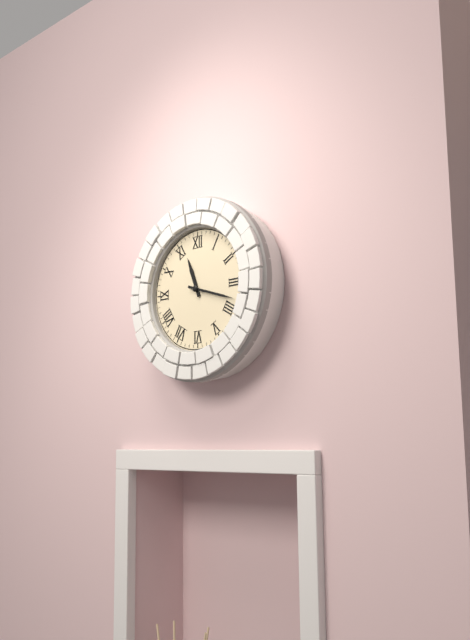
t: 11:18
